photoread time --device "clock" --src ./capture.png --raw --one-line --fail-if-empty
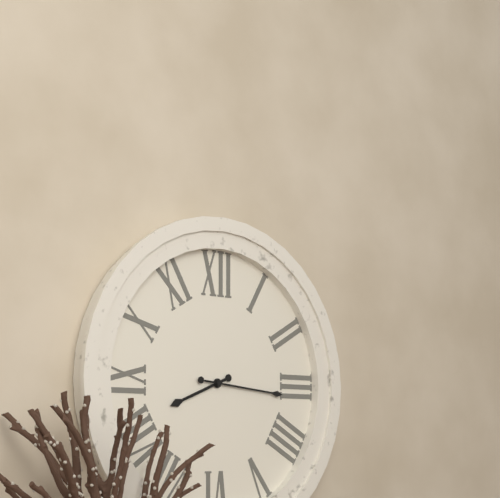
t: 8:16
